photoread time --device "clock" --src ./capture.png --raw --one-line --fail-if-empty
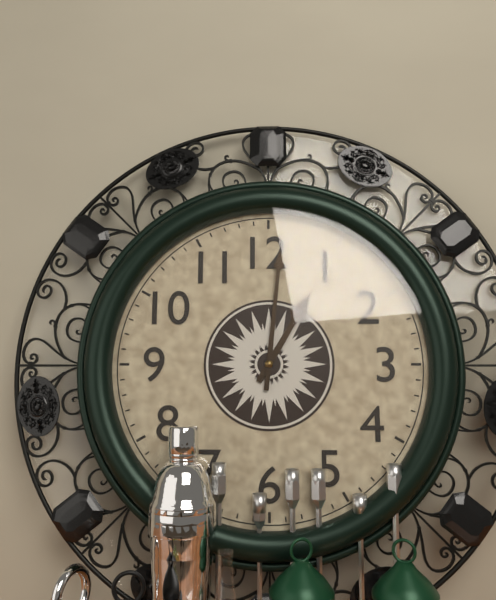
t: 1:01
